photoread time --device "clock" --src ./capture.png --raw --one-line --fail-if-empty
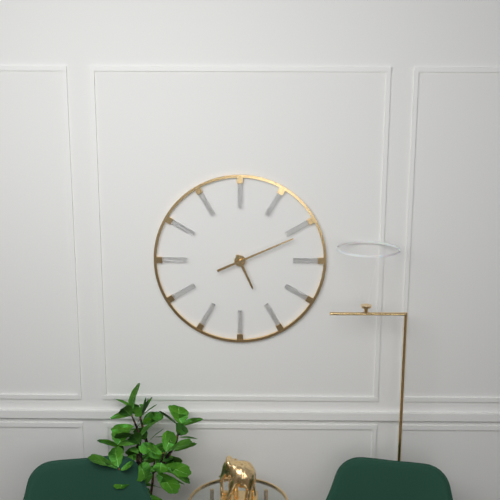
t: 5:11
